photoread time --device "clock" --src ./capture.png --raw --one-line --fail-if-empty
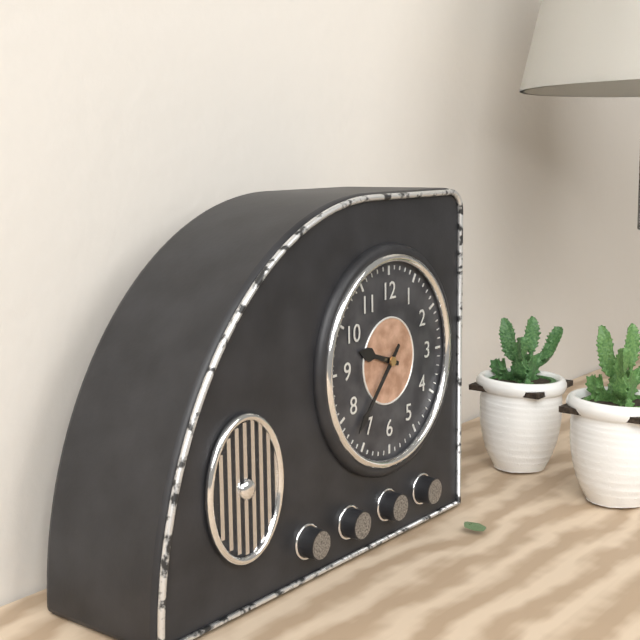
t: 9:37
